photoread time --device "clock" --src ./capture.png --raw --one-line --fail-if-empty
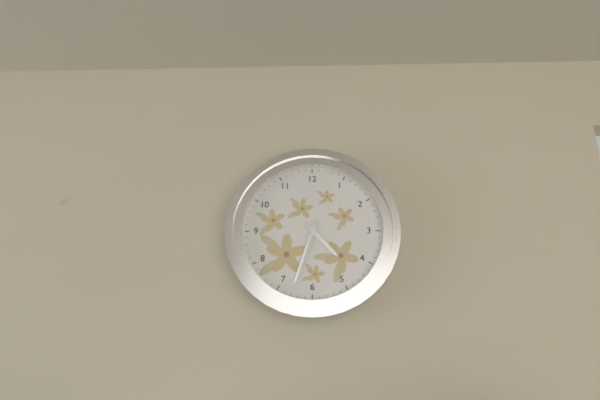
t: 4:33
